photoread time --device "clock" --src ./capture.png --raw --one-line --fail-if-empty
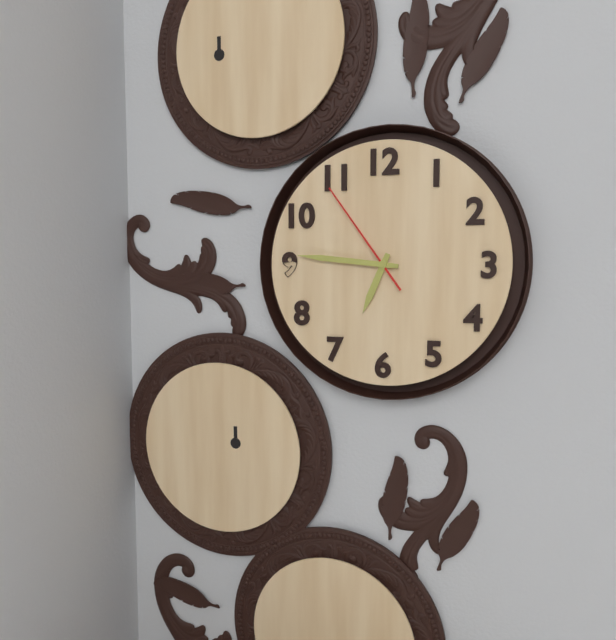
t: 6:46:54
